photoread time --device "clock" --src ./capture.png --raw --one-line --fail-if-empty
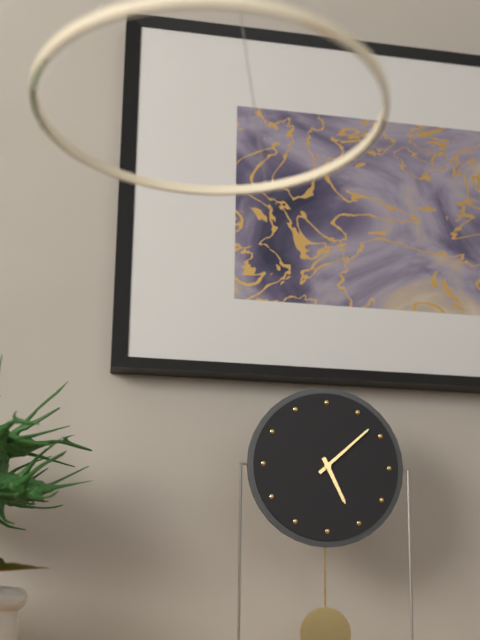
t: 5:08
